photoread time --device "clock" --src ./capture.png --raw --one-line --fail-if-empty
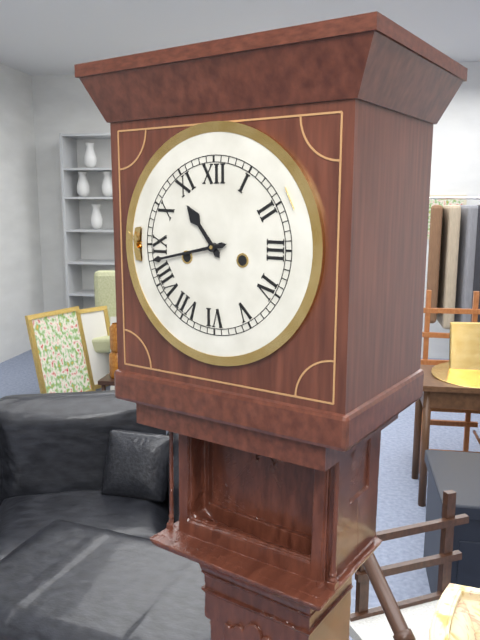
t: 10:43
